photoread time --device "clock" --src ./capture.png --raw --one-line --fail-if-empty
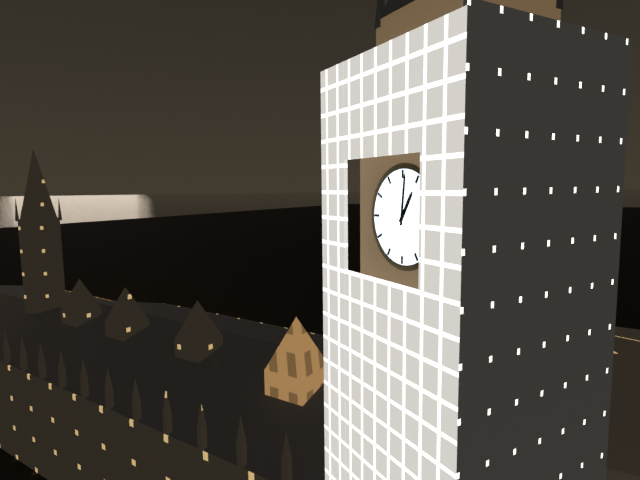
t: 1:01
